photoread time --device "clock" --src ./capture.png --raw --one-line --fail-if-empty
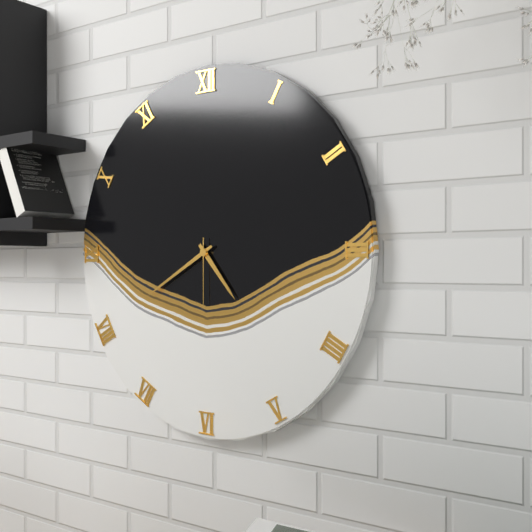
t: 4:40:30
